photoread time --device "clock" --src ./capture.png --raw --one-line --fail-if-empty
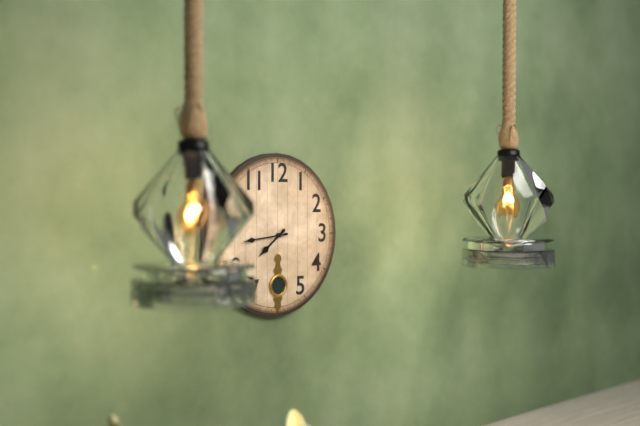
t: 7:44
